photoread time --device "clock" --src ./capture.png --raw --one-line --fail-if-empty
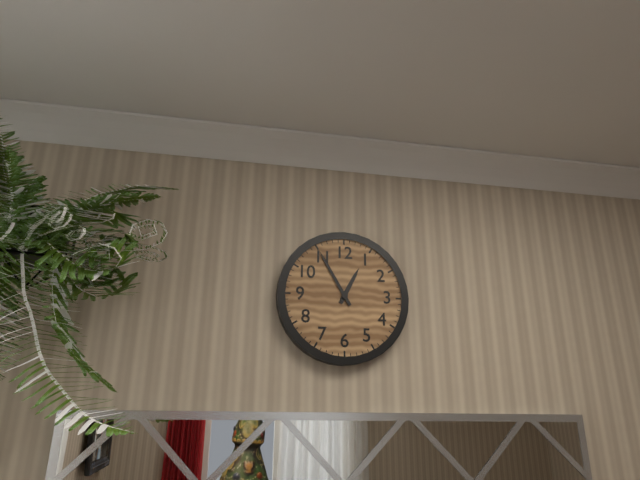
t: 12:55
